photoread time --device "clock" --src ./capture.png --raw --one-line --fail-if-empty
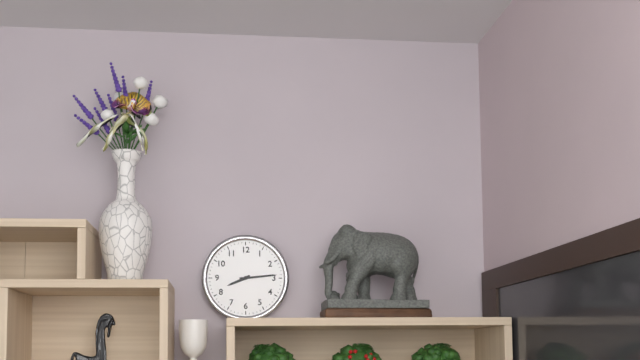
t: 8:14
